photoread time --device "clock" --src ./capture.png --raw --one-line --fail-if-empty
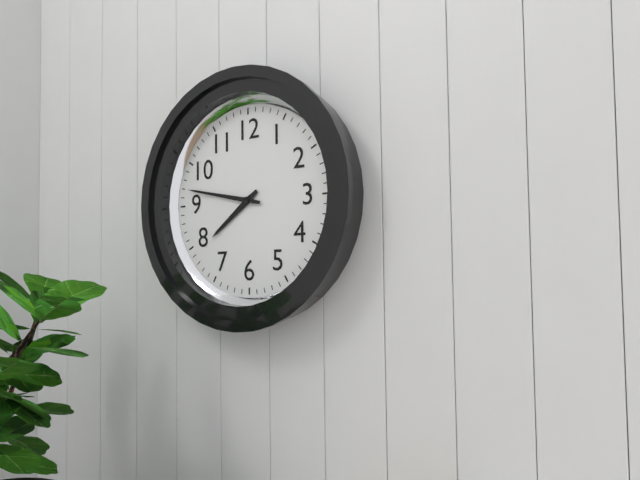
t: 7:47
